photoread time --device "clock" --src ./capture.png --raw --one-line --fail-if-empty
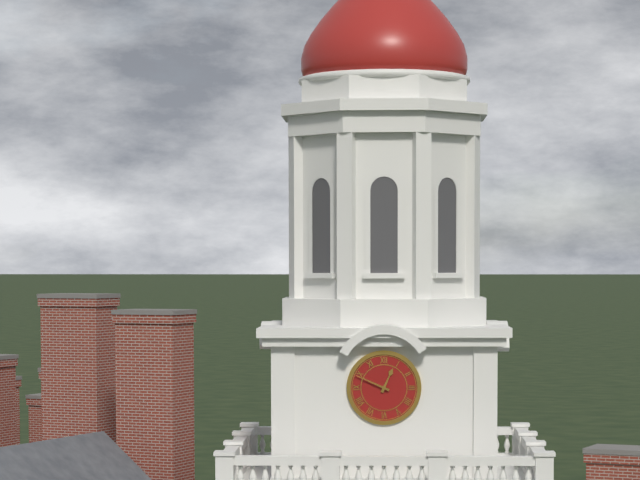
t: 12:49
